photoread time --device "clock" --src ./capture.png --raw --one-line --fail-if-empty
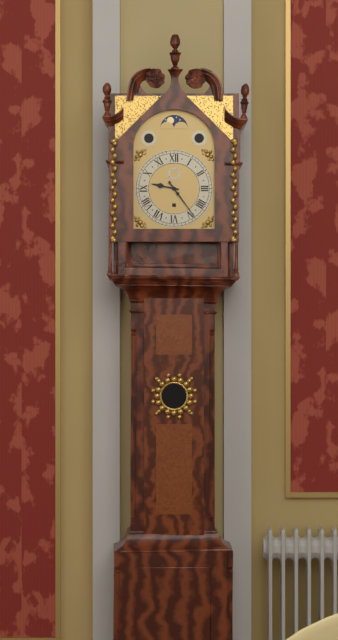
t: 9:24
